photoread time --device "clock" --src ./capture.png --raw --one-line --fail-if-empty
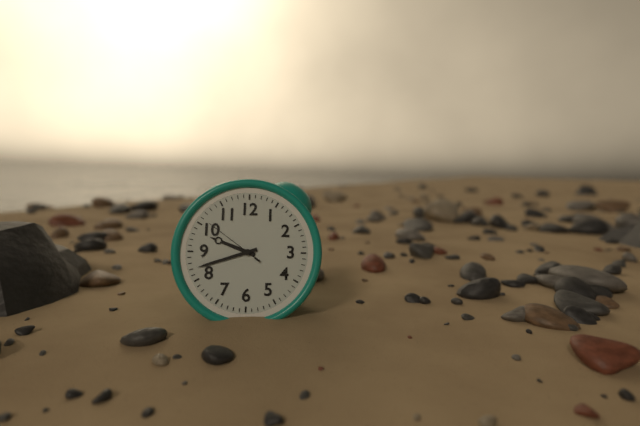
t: 9:42:51
